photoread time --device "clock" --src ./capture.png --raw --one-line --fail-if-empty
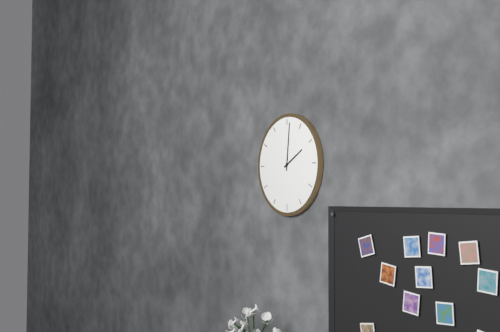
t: 2:01
